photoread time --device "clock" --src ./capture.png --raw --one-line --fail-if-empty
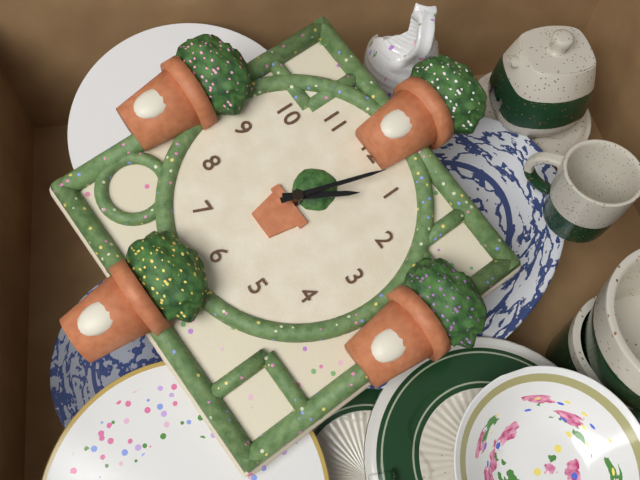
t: 1:03
